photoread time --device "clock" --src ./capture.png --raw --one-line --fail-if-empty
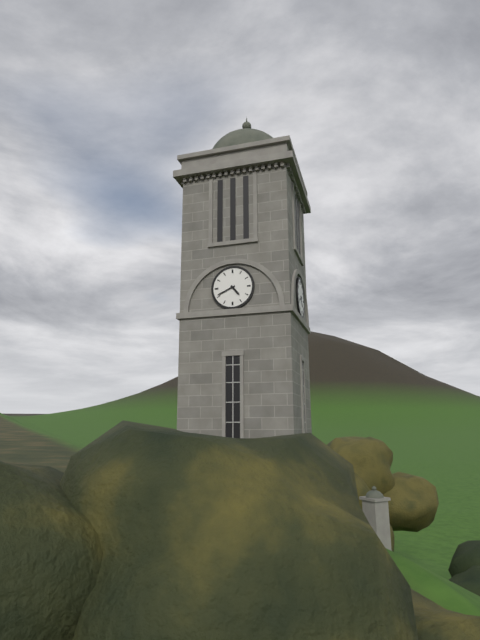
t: 4:41
